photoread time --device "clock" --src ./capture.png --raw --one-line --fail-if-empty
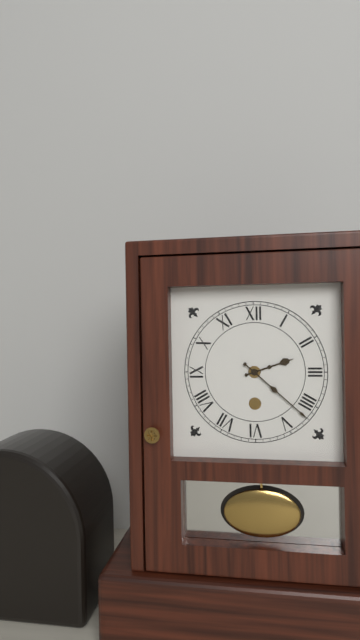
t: 2:22
